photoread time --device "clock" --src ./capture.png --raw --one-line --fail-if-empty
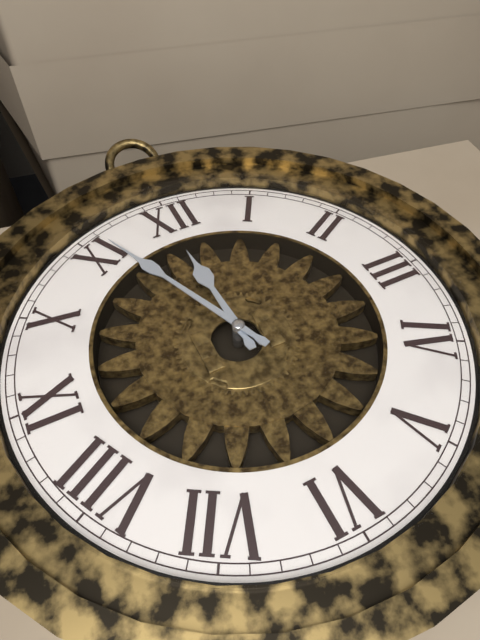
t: 11:56
